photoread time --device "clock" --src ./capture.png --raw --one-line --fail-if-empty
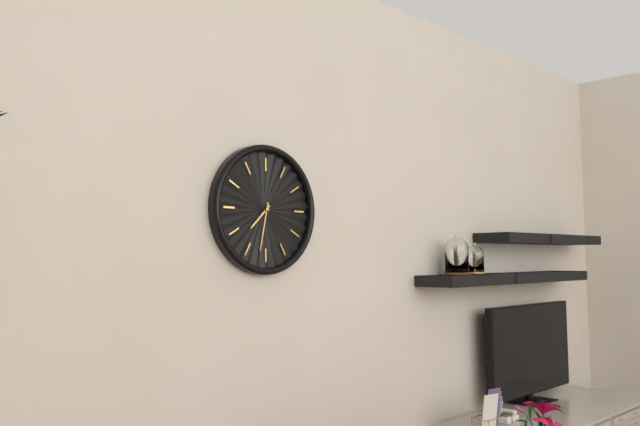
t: 7:32
